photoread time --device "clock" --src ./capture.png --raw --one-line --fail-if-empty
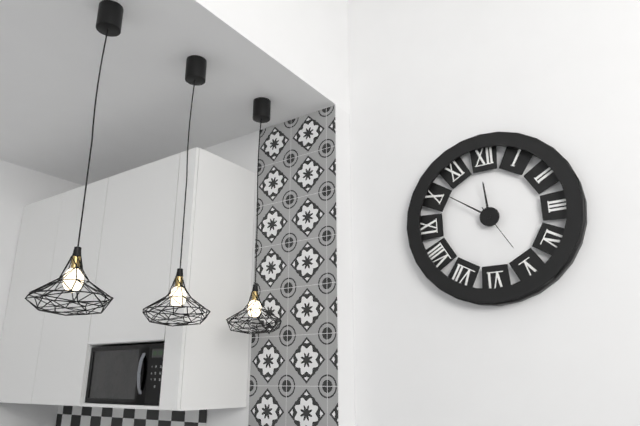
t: 11:51
